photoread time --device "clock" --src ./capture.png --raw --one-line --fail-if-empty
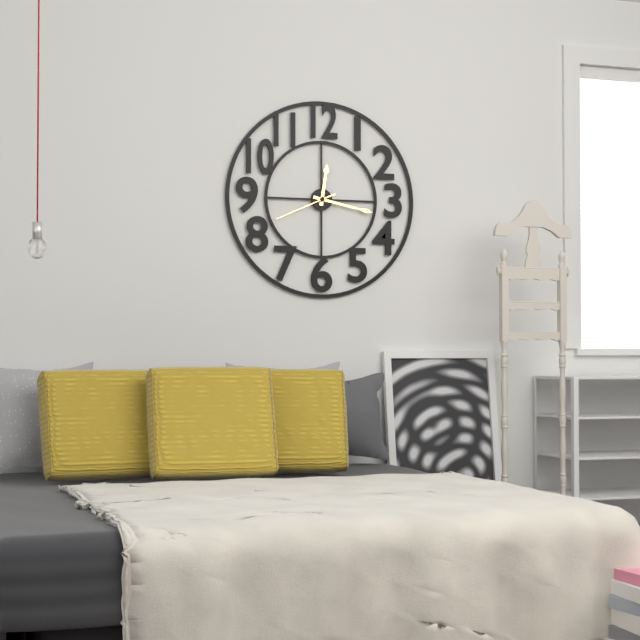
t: 12:17:41
